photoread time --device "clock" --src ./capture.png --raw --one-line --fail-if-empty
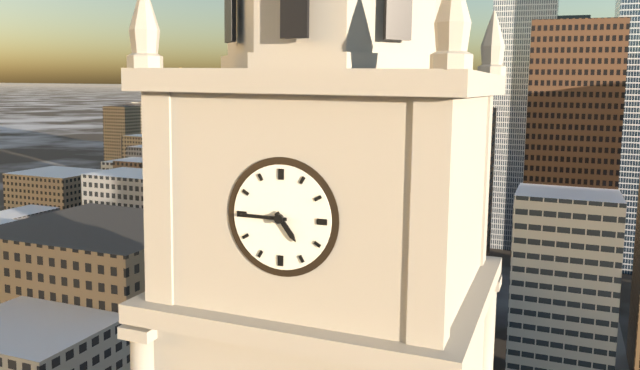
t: 4:45
